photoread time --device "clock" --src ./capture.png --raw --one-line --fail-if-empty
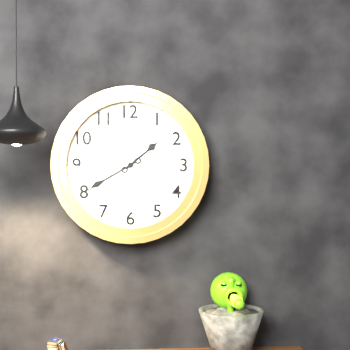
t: 1:40
